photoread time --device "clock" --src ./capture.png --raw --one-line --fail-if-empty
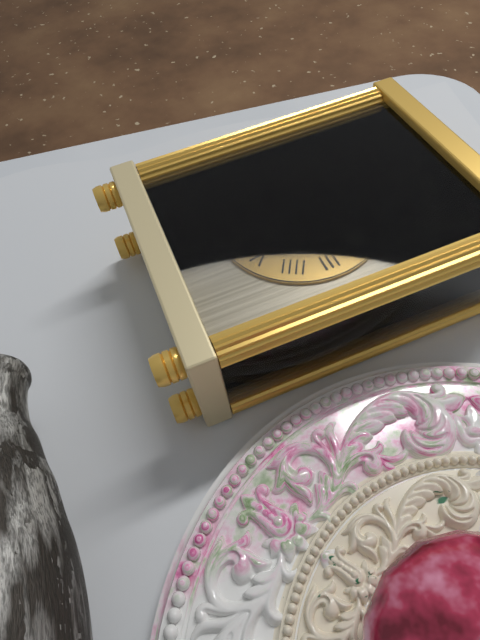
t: 8:50
